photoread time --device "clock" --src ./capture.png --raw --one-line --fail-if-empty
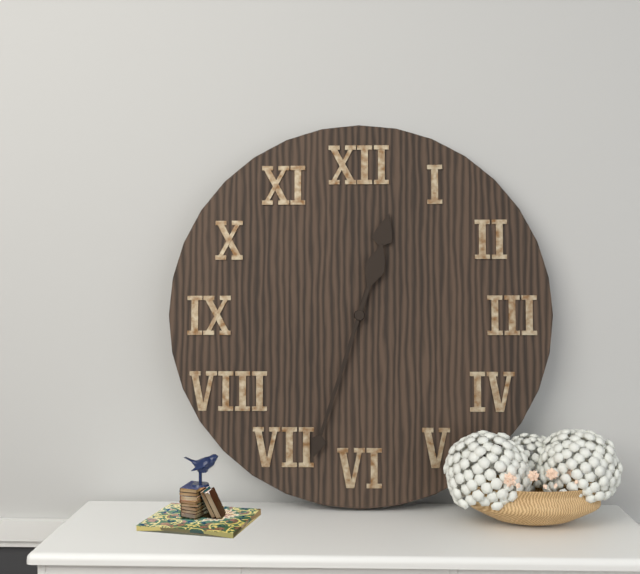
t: 12:33
